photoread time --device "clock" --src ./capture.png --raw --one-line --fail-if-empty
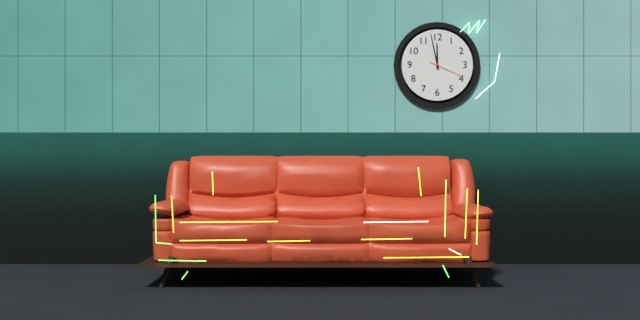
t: 11:58
